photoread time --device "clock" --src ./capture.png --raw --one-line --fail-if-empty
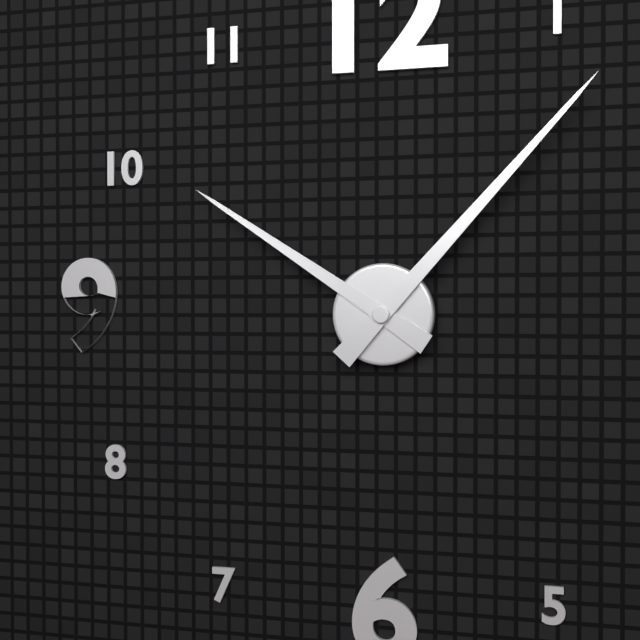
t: 10:07
